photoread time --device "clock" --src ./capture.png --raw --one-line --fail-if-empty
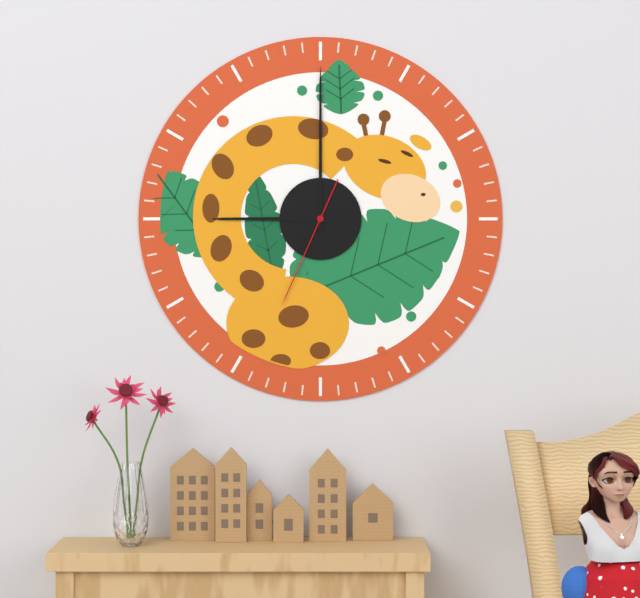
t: 9:00:34
